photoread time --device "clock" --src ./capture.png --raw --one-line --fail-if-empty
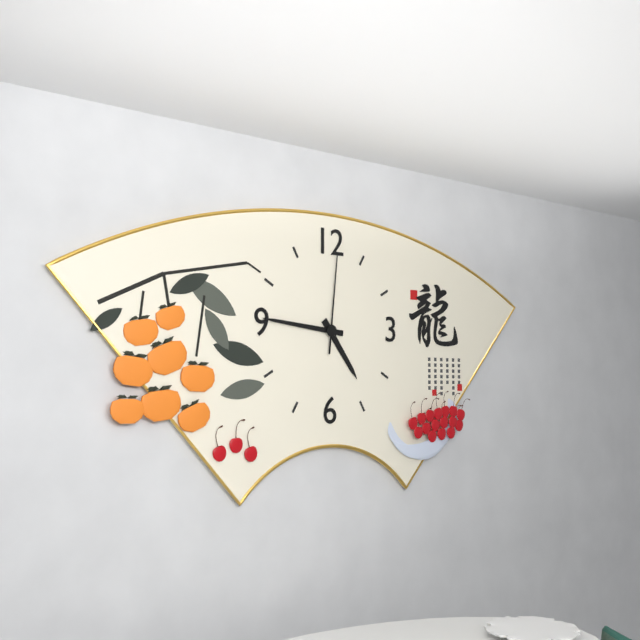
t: 4:46:01
